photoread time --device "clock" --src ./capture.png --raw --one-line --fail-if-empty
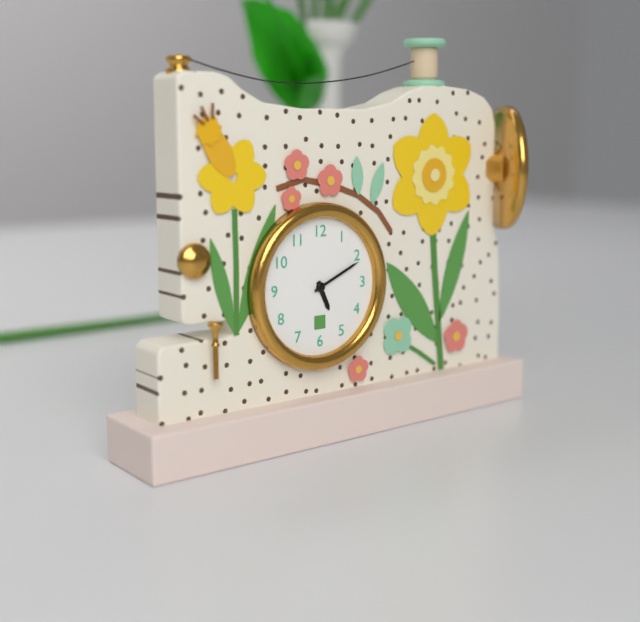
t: 5:11
